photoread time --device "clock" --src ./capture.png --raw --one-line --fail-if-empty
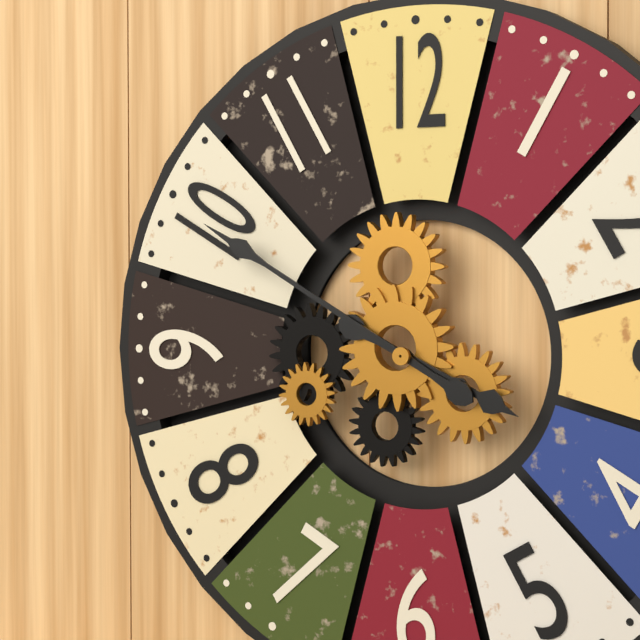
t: 3:50
